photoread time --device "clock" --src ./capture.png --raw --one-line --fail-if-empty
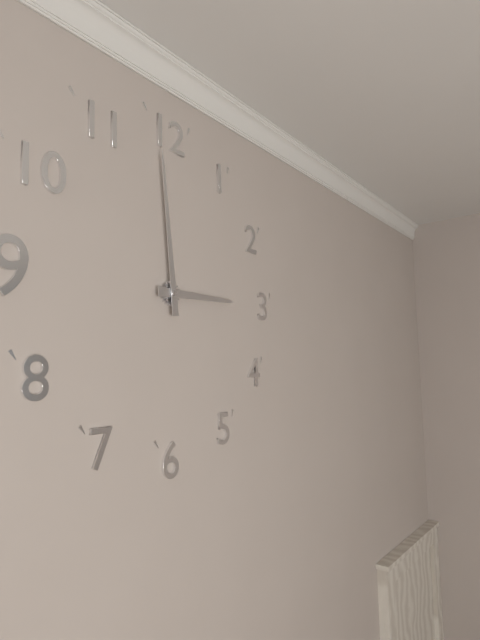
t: 2:59
